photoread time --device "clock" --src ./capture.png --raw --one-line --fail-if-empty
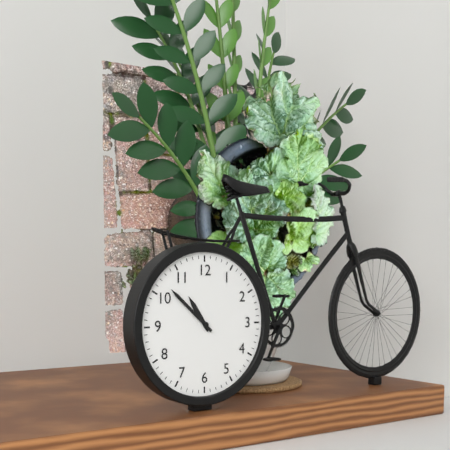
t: 10:52
